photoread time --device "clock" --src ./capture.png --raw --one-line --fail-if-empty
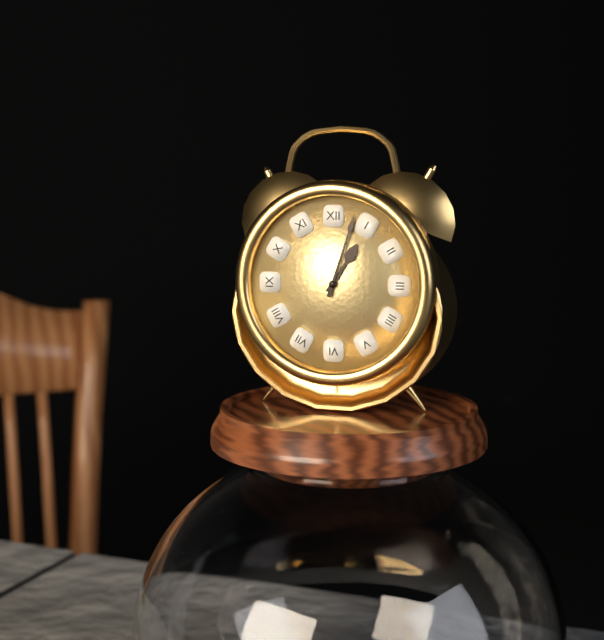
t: 1:03
